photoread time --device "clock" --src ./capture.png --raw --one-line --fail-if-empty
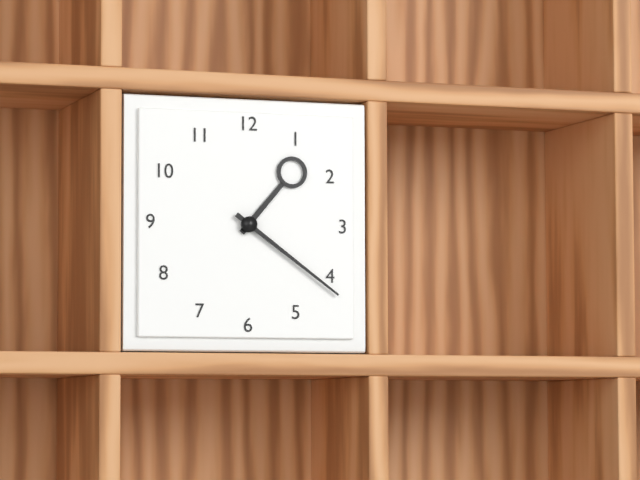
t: 1:21
